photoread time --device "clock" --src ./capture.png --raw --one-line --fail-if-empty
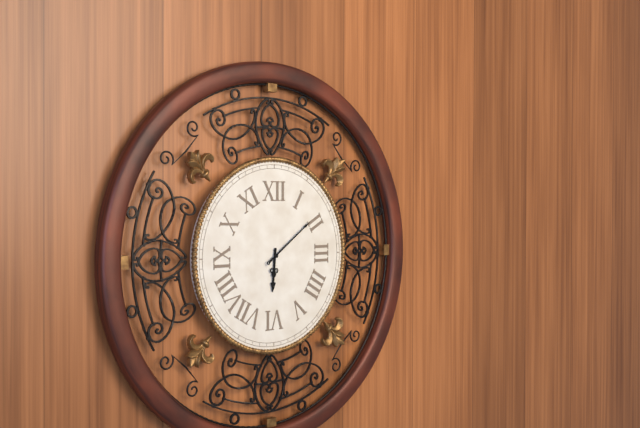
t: 6:09
